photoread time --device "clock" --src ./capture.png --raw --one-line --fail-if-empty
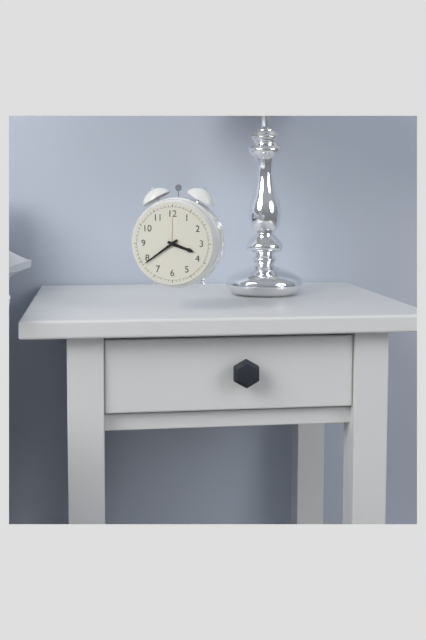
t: 3:39
